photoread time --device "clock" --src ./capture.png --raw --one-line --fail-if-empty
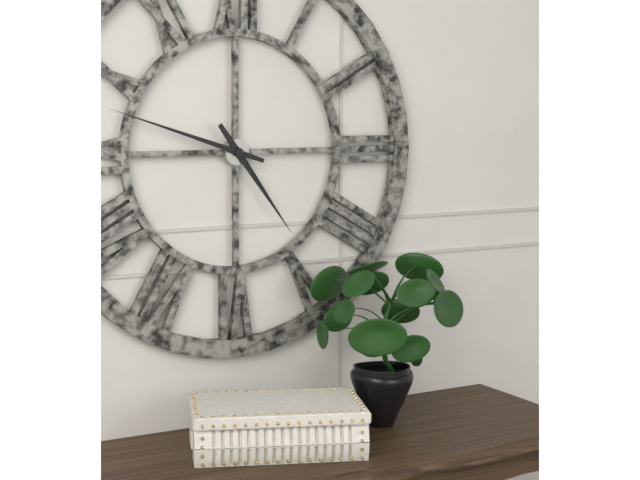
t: 4:48
